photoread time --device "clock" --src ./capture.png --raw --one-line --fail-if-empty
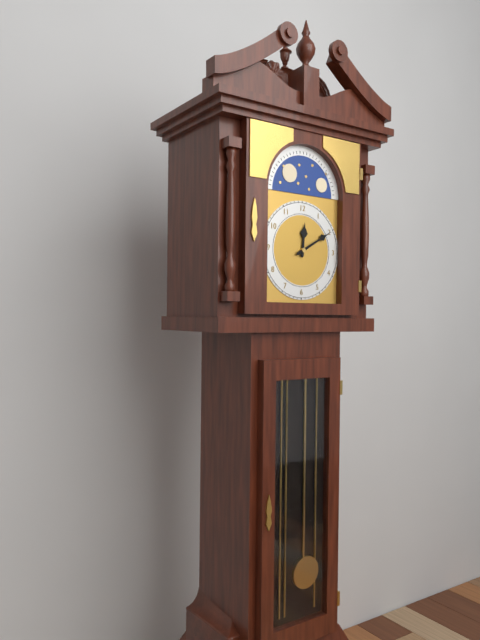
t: 12:10
